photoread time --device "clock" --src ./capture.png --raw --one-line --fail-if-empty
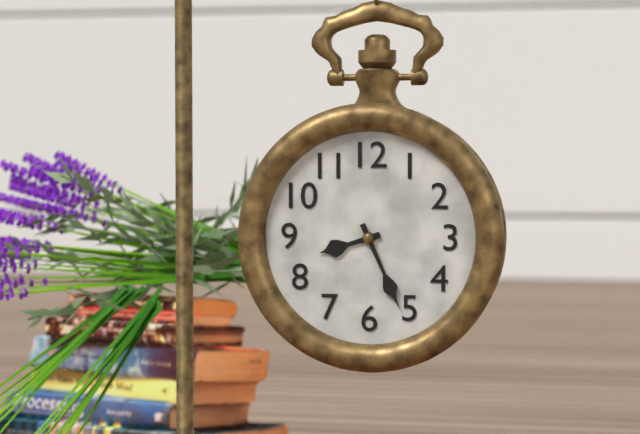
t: 8:26
